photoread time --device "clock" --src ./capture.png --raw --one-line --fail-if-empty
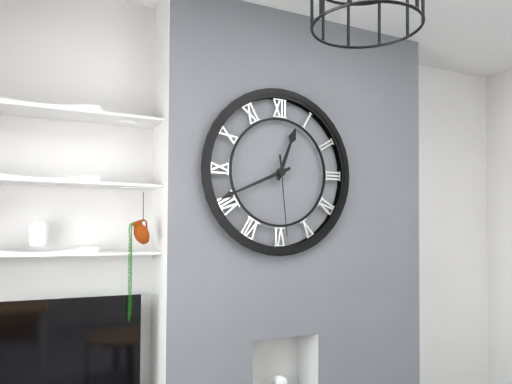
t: 12:41:29
